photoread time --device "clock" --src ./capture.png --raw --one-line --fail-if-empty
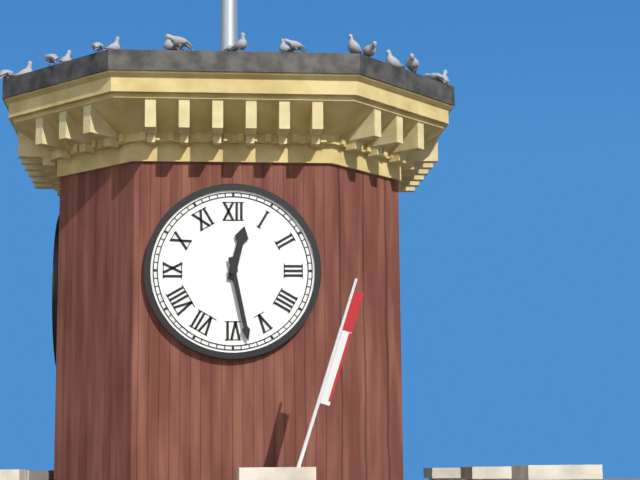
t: 12:28
